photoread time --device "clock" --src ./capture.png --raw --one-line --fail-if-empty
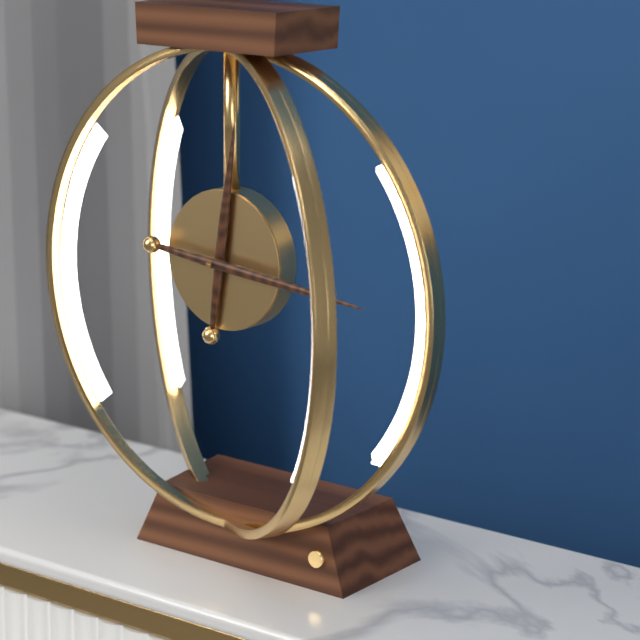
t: 12:16
